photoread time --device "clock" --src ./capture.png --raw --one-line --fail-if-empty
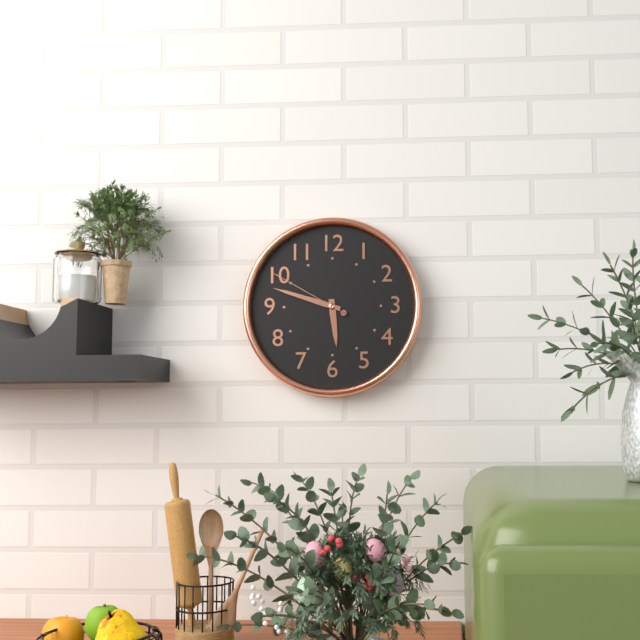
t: 5:48:50
